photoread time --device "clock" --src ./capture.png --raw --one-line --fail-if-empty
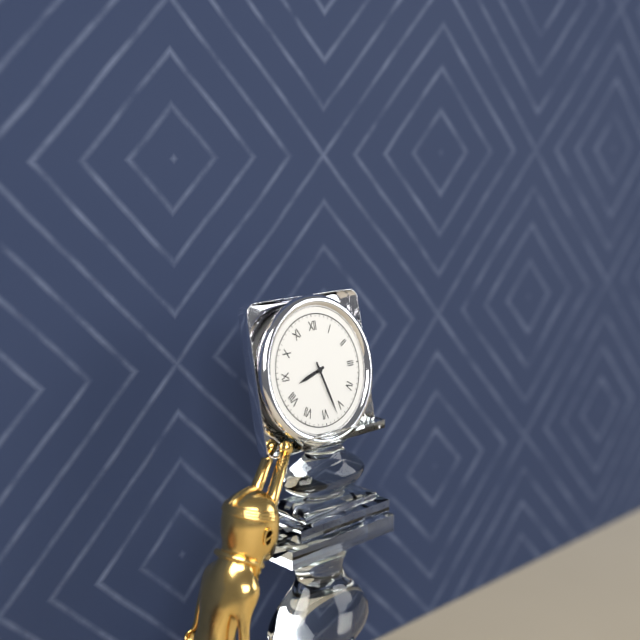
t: 8:27
